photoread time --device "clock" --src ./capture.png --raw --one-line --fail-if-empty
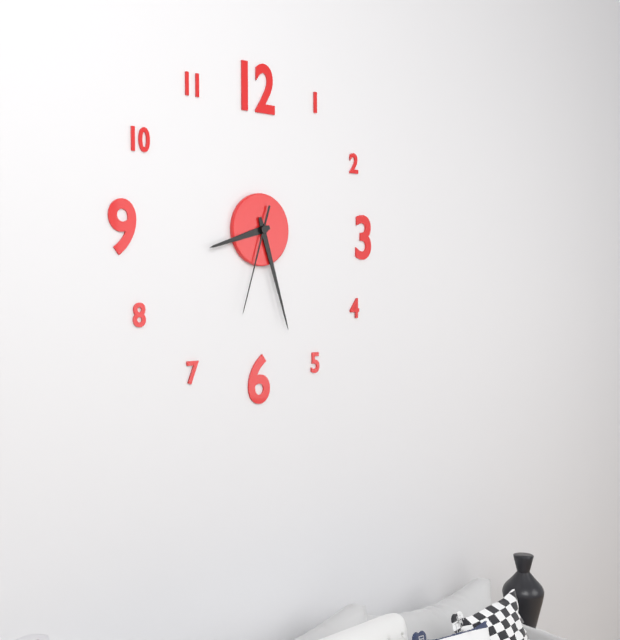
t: 8:27:33
